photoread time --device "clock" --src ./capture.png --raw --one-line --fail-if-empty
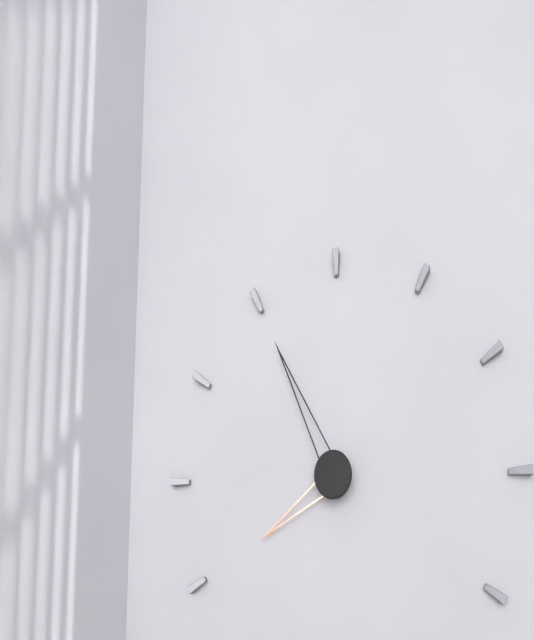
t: 7:55
